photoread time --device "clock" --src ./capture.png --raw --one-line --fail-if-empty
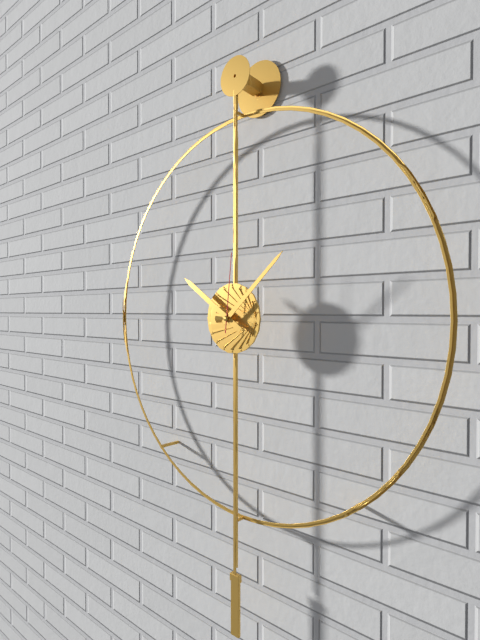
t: 10:08:01
